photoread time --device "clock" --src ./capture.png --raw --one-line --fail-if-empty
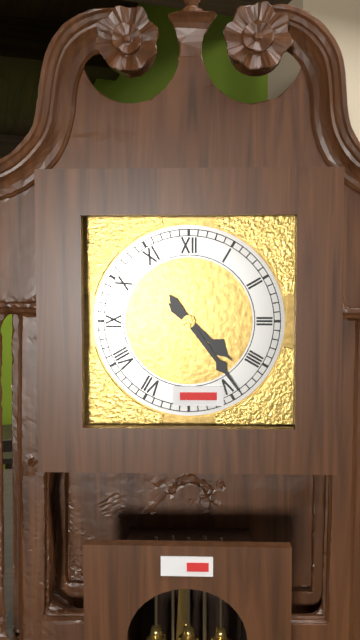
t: 4:24
